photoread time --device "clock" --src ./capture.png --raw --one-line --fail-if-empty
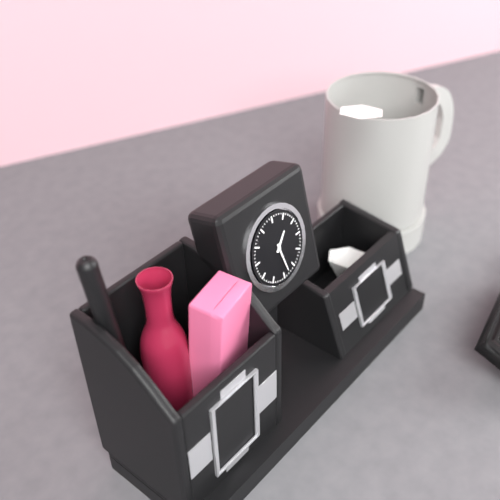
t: 1:28
